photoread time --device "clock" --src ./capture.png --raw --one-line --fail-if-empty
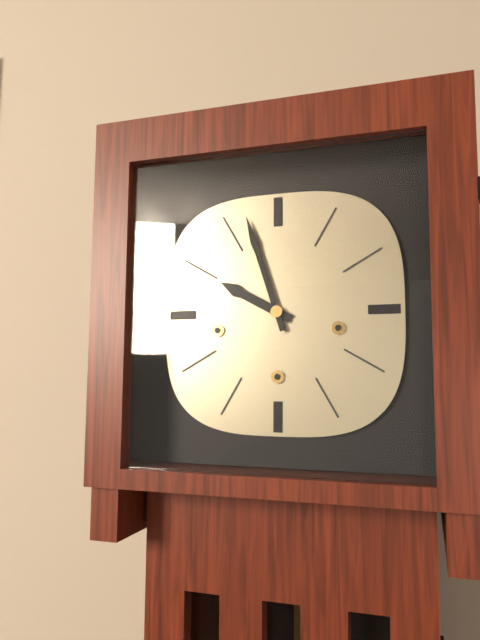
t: 9:57
